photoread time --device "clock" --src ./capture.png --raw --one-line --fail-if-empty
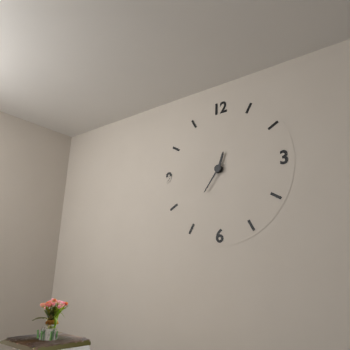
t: 12:36
